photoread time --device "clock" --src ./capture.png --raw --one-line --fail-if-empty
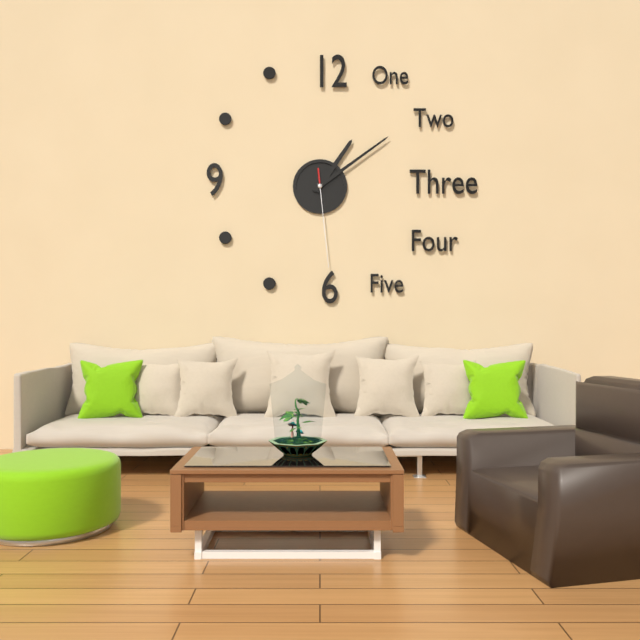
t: 1:09:29
